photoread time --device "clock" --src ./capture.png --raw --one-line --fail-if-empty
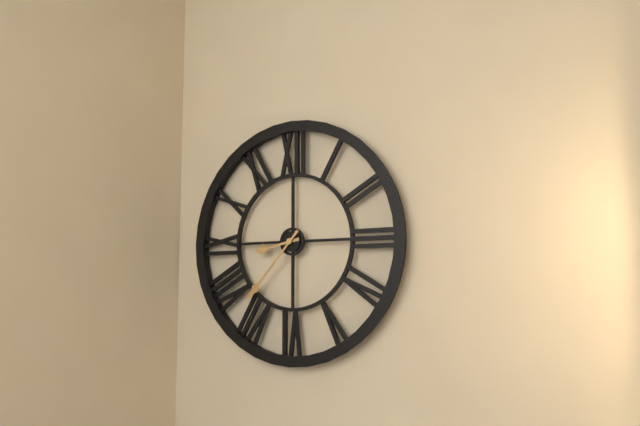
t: 8:37
